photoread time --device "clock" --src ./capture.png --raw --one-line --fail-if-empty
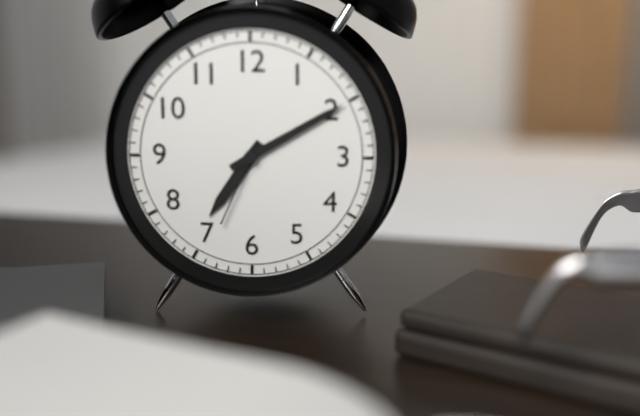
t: 7:10:34
